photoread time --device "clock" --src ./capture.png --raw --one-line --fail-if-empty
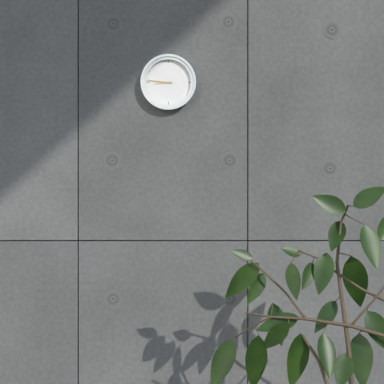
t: 8:46
